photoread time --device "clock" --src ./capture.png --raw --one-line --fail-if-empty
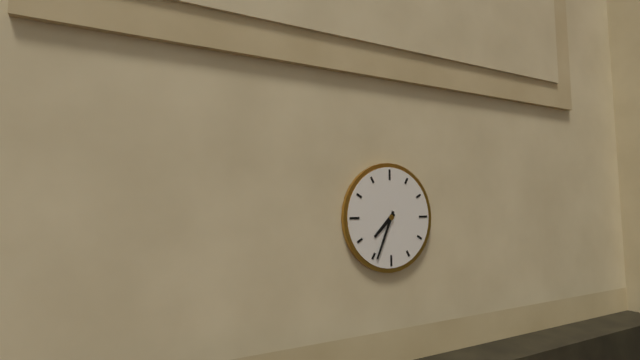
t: 7:34
